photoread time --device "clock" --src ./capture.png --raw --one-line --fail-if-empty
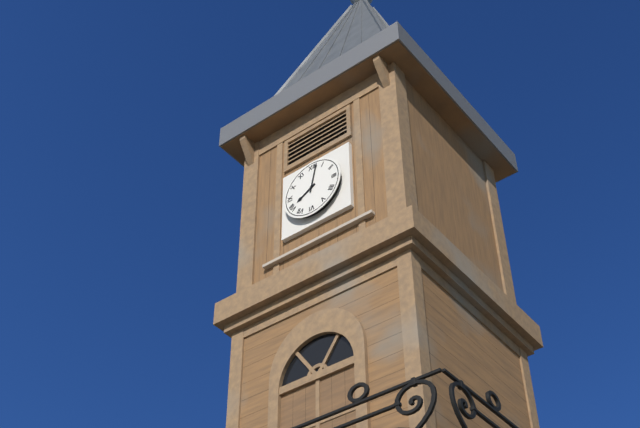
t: 8:02
